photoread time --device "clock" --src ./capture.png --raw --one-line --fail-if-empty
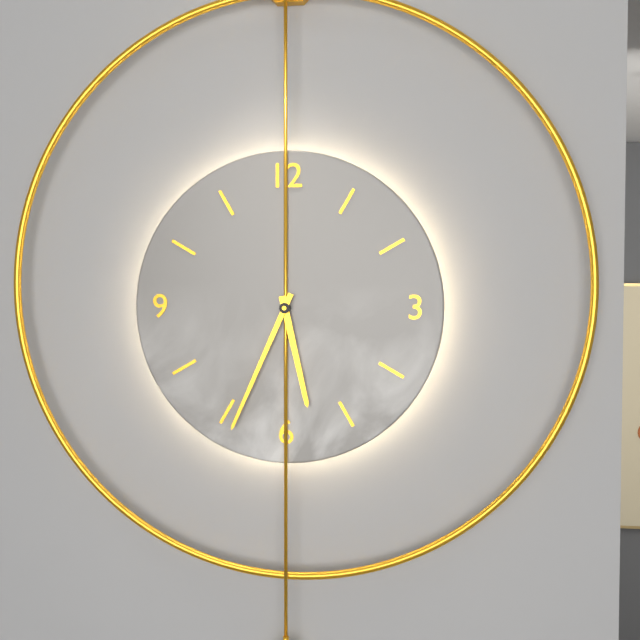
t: 5:34
